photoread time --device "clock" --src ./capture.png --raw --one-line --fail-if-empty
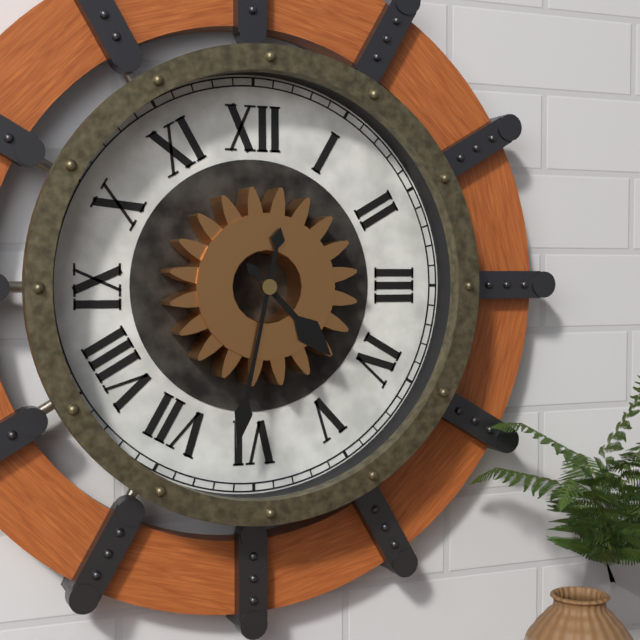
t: 4:32
